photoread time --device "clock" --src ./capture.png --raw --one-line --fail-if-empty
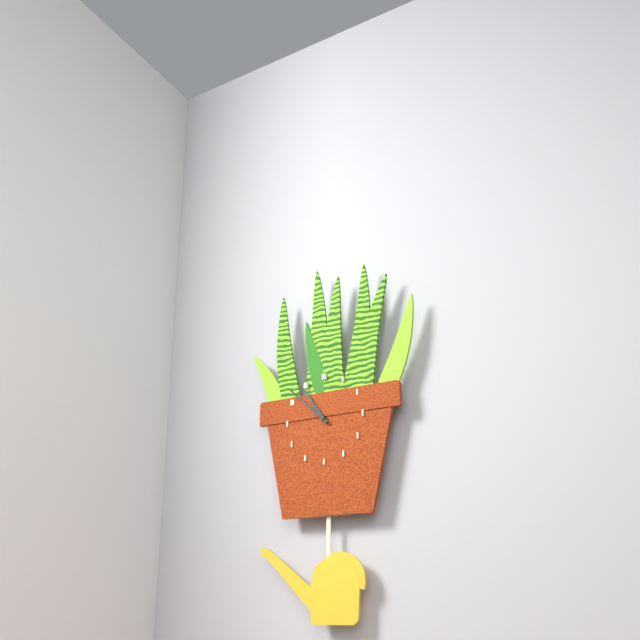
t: 10:52
